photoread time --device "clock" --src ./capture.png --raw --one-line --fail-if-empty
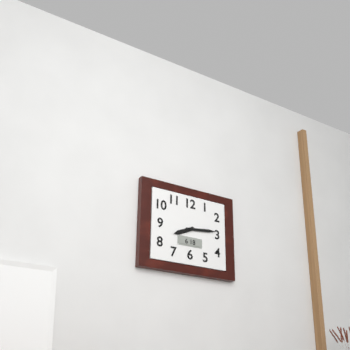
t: 8:14
